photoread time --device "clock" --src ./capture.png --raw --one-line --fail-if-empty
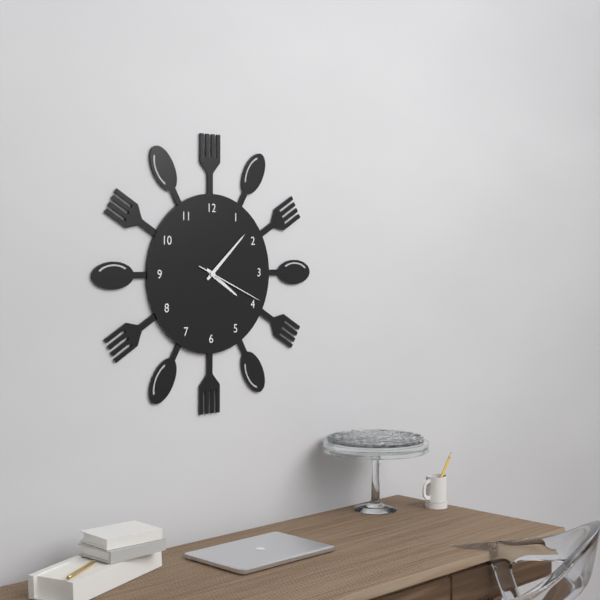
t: 4:08:19
